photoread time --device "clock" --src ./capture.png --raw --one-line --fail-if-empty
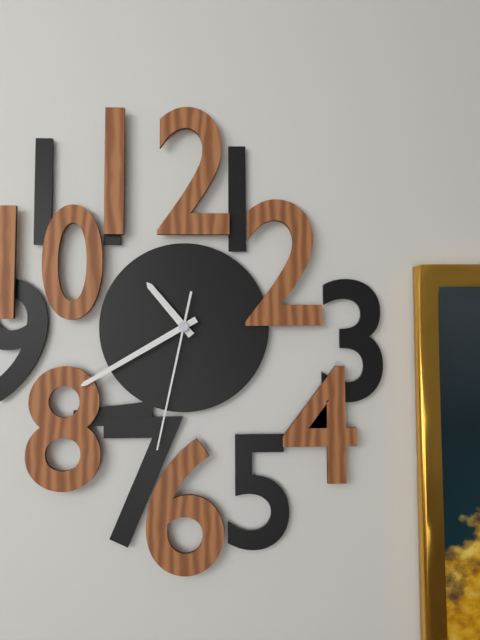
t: 10:40:32
